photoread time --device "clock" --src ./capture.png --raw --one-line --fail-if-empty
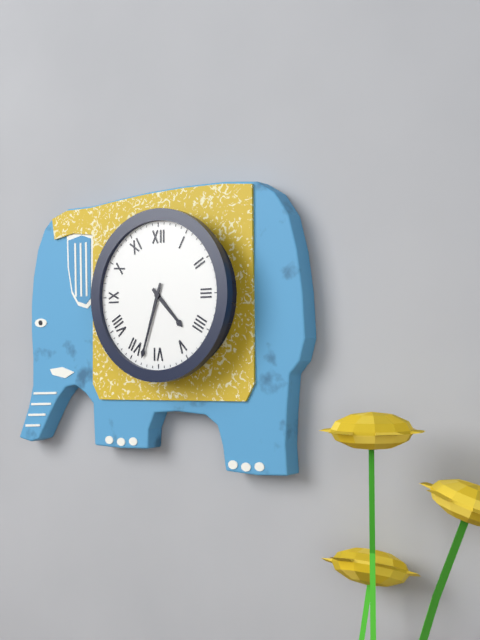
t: 4:33
